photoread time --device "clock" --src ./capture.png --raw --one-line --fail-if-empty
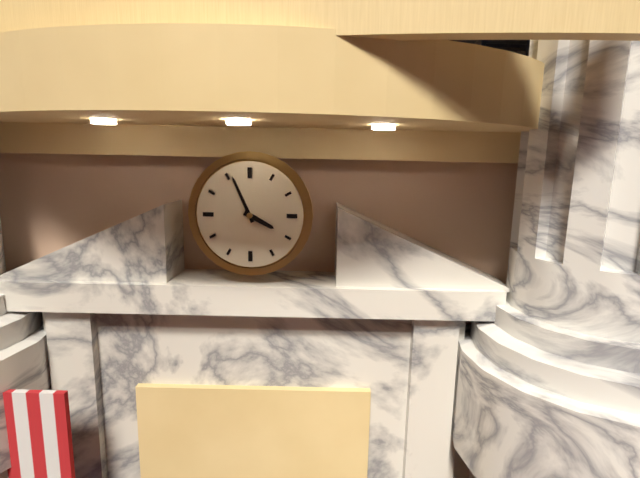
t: 3:56
